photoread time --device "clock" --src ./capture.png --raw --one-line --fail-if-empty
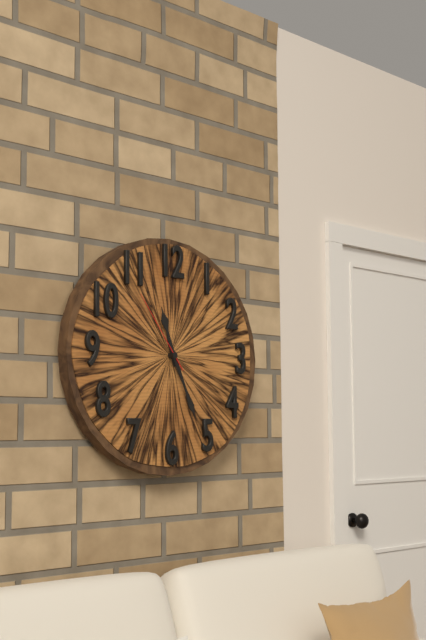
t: 11:26:54
